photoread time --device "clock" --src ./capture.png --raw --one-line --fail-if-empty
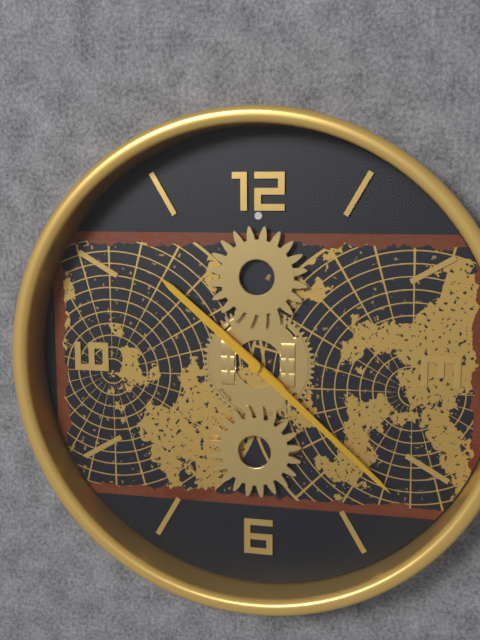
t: 10:22
